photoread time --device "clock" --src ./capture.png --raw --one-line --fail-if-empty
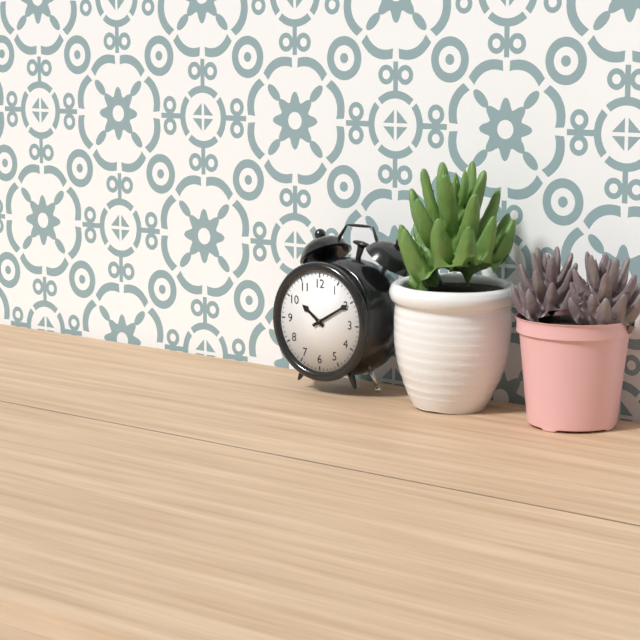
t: 10:10
